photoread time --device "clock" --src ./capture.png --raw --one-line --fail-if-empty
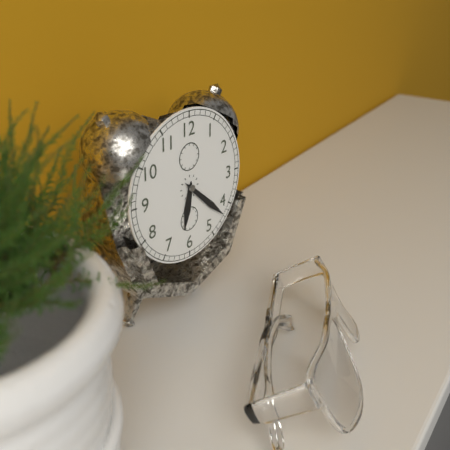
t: 6:22
